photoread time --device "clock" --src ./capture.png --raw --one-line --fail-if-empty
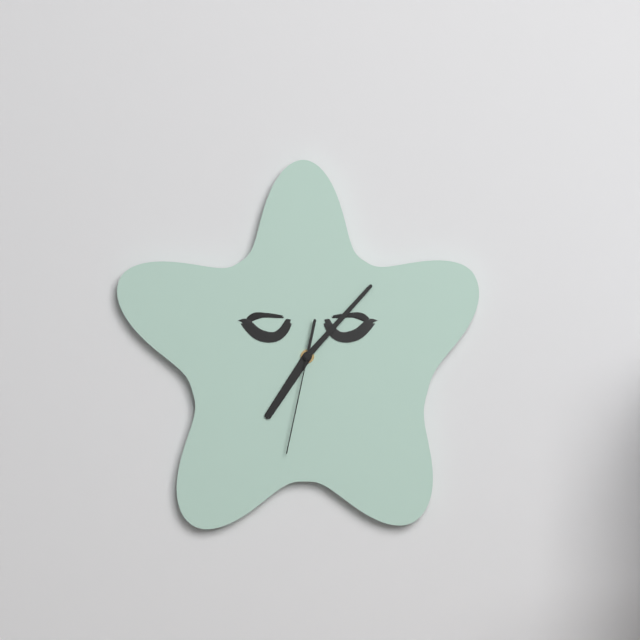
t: 7:07:32
